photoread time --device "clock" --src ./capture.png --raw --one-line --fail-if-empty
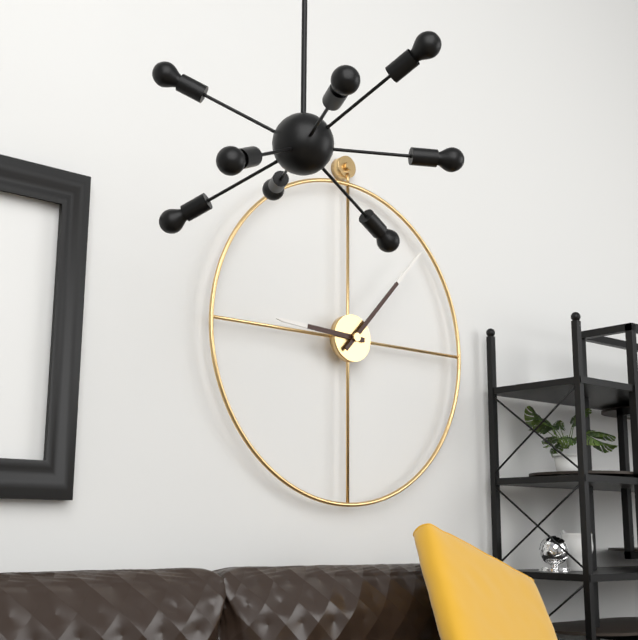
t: 9:07
